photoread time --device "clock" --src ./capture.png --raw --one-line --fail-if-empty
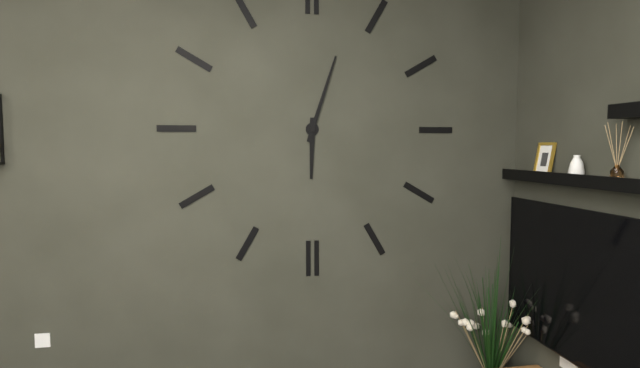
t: 6:03
